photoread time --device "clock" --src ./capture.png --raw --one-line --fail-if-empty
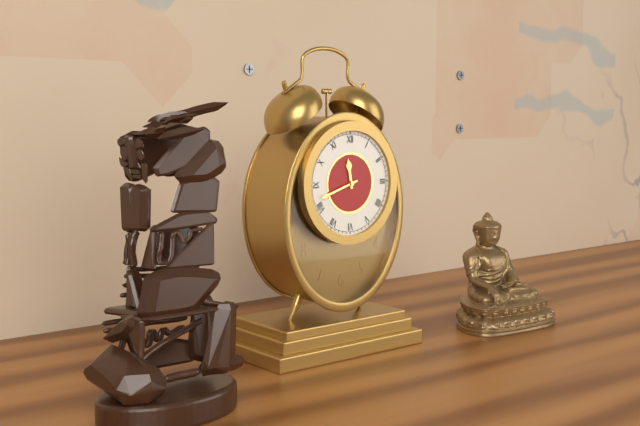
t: 11:42
